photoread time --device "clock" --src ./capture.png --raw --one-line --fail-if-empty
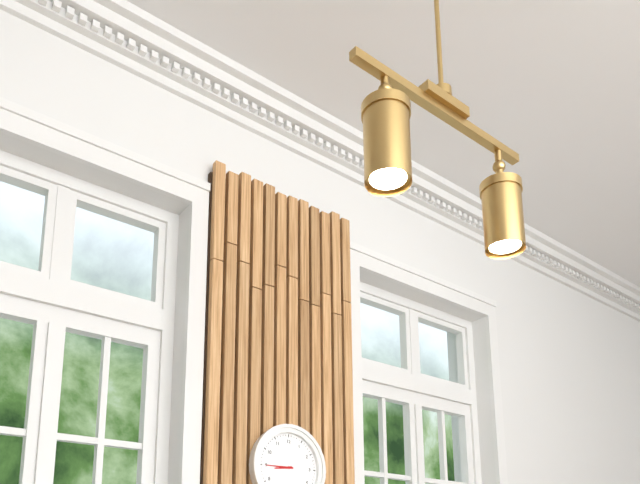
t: 8:45
